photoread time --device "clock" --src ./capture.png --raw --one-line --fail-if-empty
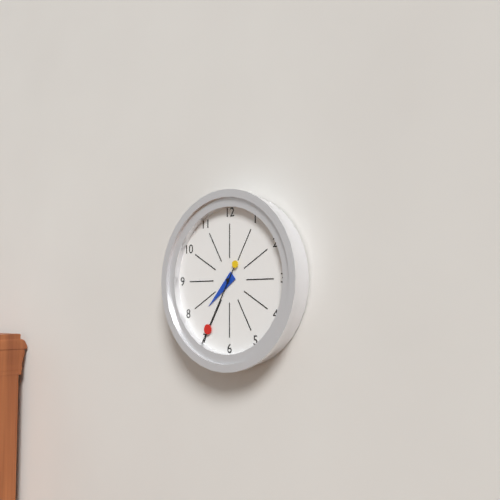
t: 7:35
